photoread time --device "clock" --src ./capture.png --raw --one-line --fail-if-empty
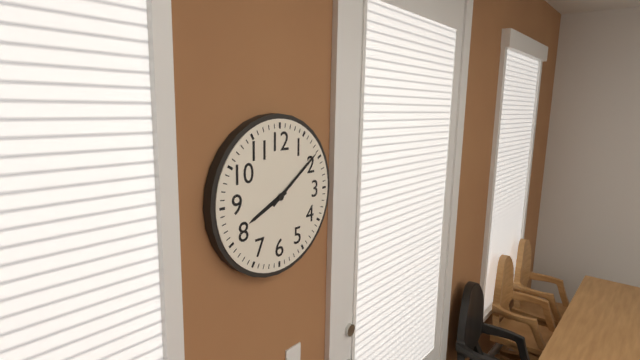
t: 8:09
